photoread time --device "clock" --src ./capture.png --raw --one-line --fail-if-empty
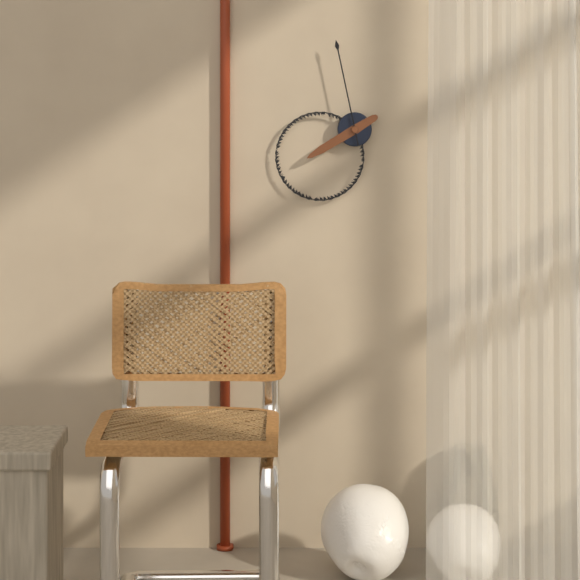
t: 7:58
